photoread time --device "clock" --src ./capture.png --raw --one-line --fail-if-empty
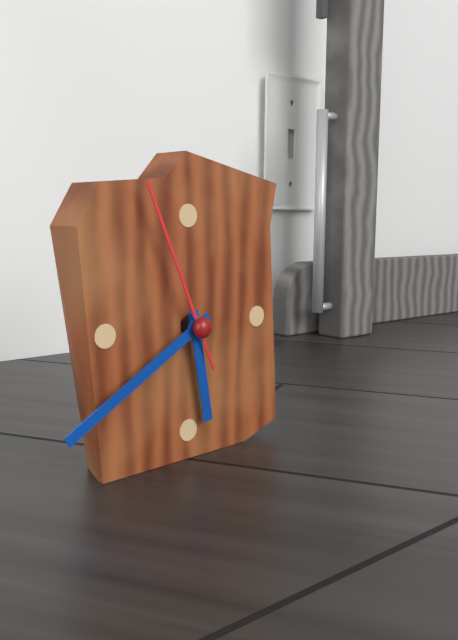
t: 5:40:56
